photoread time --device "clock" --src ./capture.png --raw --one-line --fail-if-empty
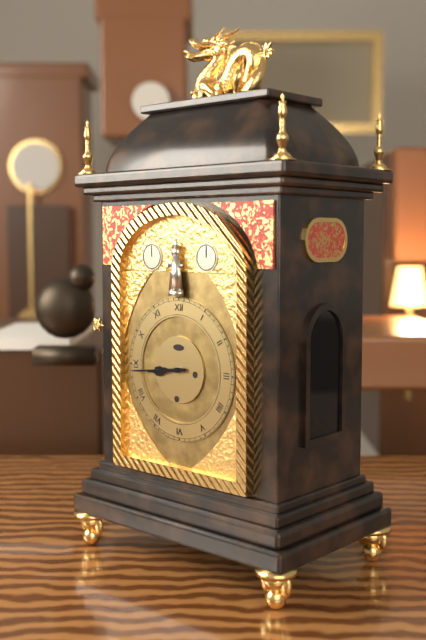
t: 8:44
